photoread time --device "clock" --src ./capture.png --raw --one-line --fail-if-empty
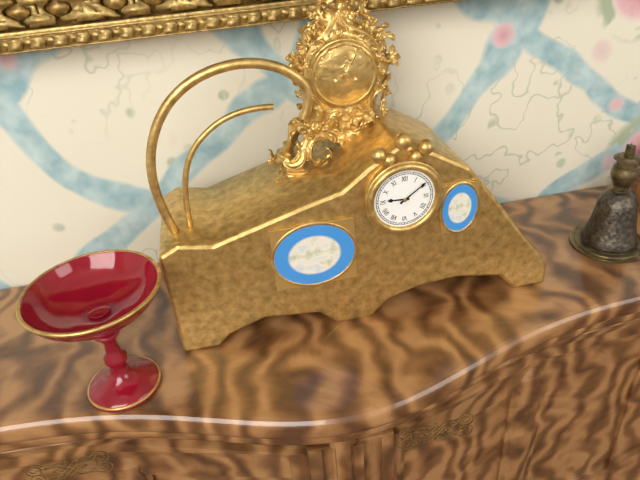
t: 9:09
